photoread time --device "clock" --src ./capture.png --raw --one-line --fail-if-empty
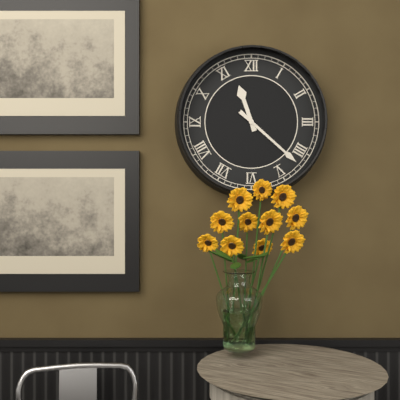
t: 11:22
